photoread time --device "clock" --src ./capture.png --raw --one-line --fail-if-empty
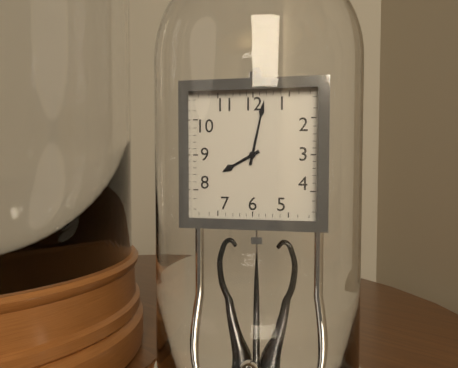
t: 8:02
